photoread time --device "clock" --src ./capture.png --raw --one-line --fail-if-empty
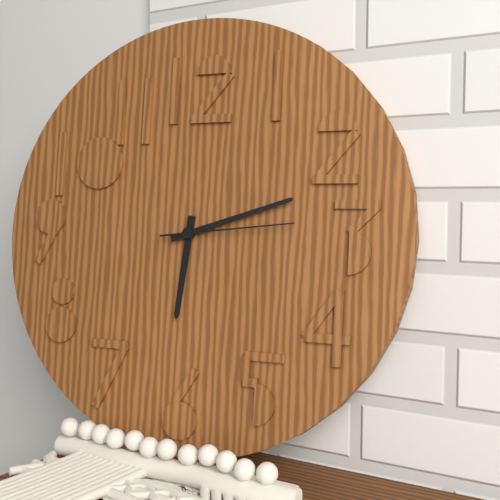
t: 6:12:14
